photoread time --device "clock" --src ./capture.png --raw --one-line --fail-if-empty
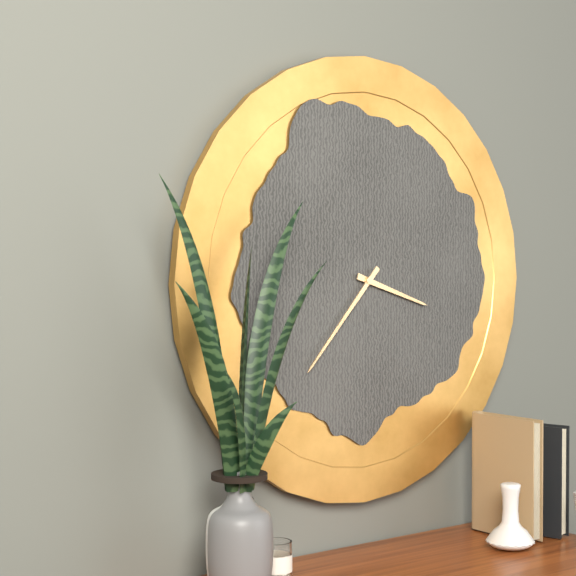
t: 3:37
